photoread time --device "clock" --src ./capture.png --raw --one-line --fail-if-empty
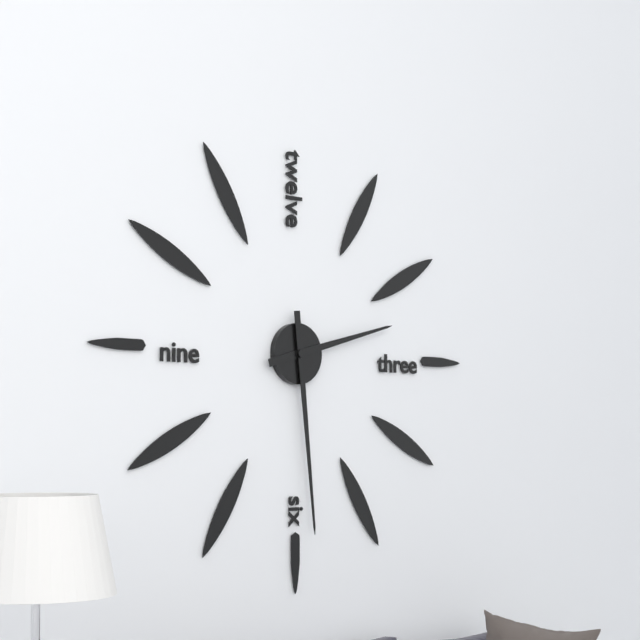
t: 2:29
